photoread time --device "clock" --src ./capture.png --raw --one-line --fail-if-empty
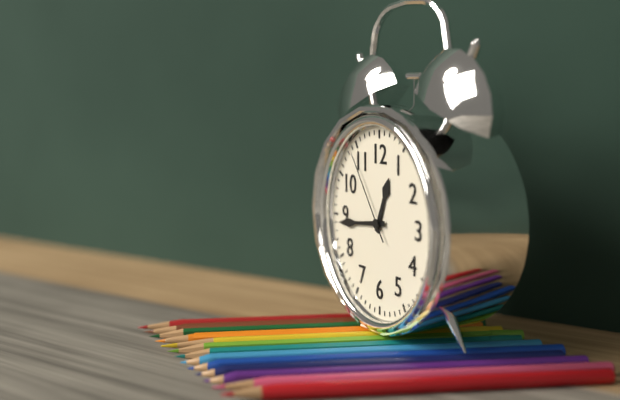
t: 12:44:54
